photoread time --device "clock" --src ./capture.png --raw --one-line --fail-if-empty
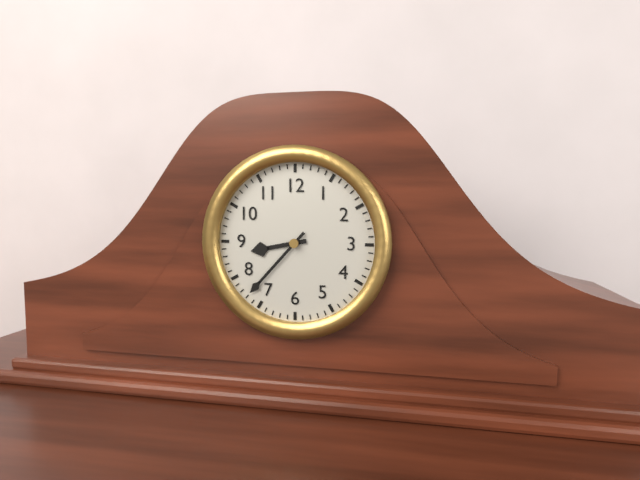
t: 8:37
